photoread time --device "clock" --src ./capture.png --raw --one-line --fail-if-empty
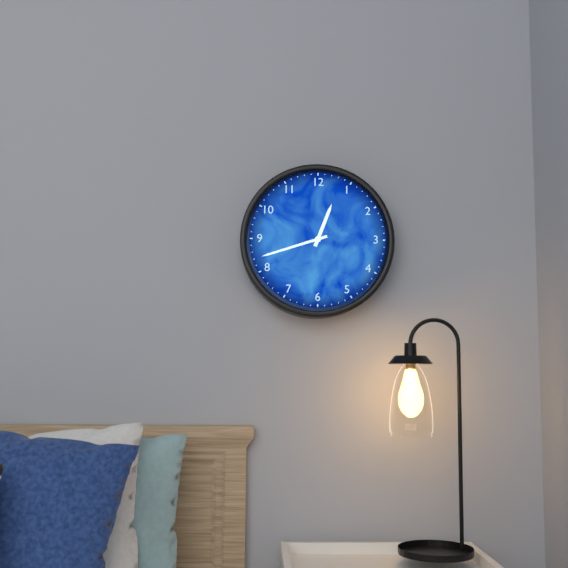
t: 12:42
